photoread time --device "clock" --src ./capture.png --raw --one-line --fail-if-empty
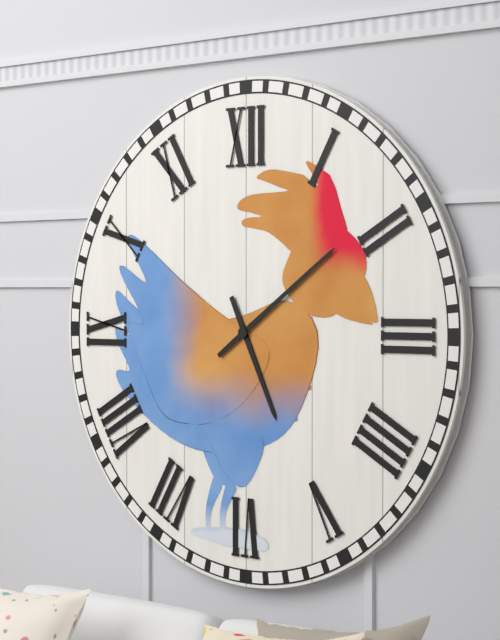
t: 5:09
